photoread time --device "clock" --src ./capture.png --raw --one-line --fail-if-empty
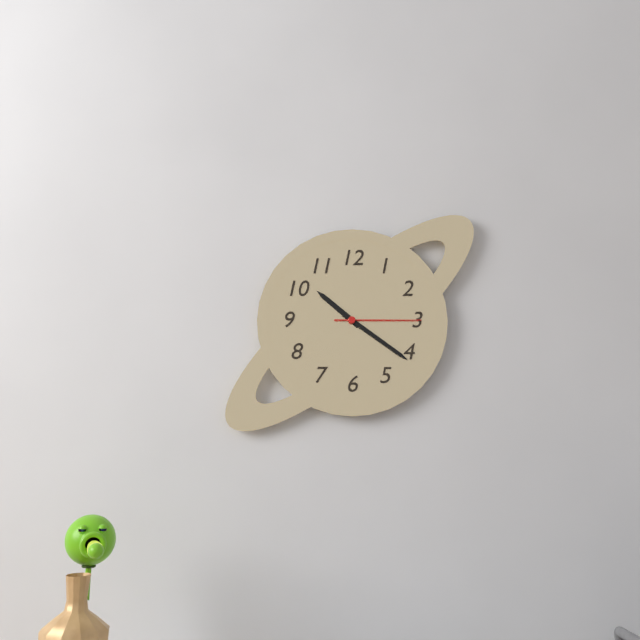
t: 10:21:15
